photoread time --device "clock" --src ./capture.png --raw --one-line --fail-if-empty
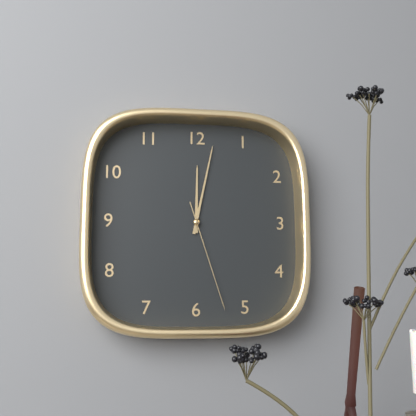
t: 12:02:27
